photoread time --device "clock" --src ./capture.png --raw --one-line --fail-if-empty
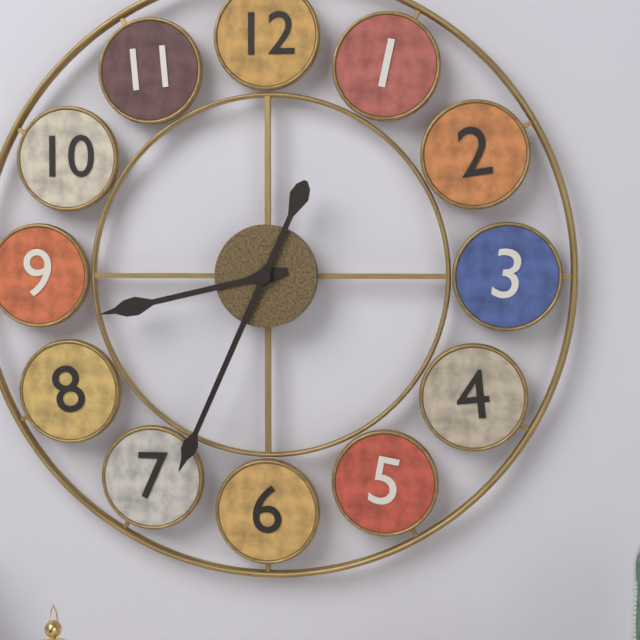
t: 8:34
